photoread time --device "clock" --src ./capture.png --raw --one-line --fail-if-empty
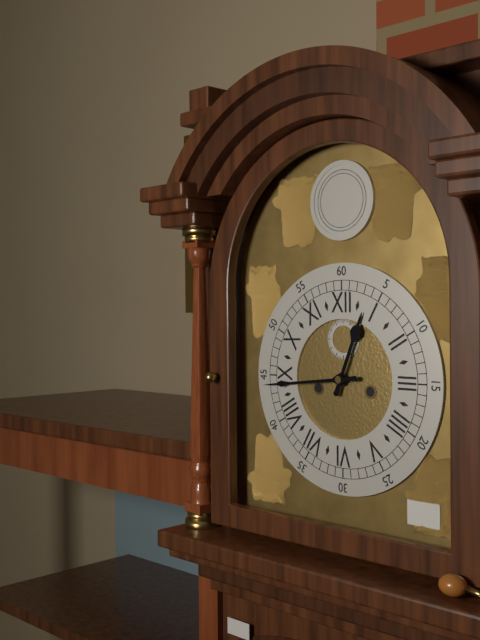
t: 12:44
